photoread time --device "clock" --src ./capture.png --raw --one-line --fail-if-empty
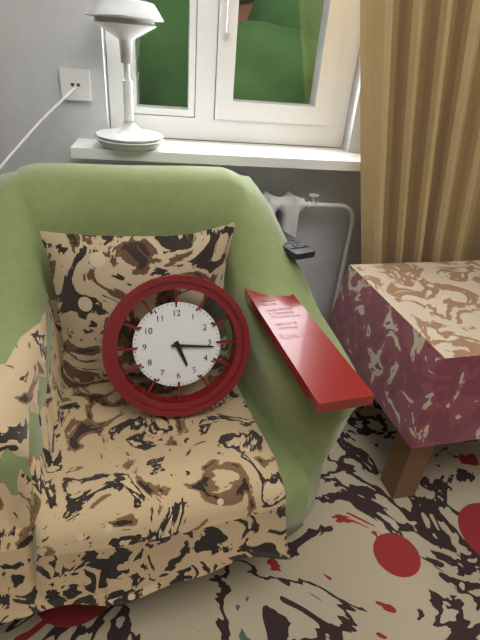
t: 5:16
